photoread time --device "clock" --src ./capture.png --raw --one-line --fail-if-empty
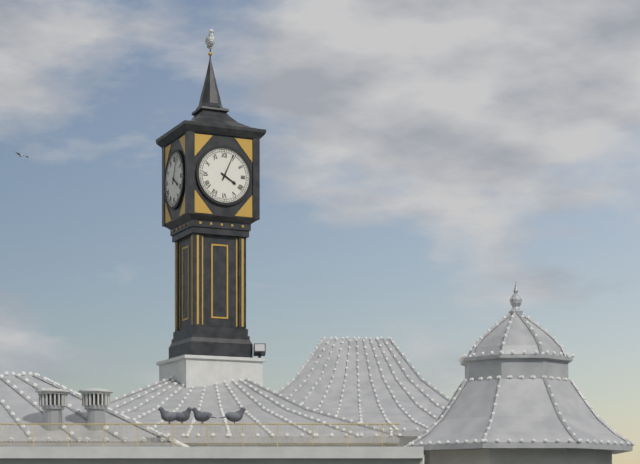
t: 4:04
